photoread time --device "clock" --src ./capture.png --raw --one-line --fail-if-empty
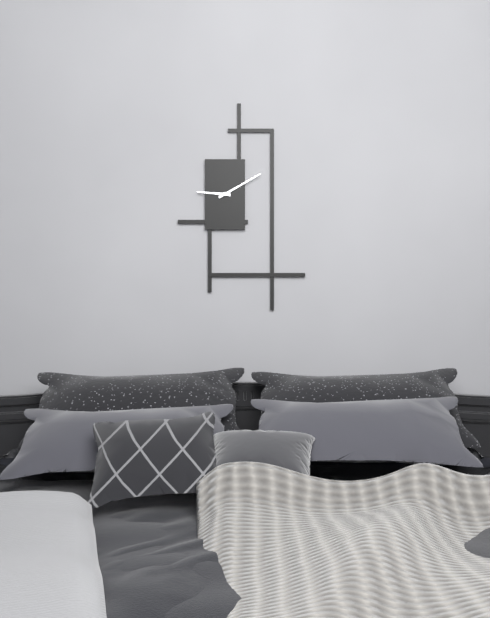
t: 9:10
